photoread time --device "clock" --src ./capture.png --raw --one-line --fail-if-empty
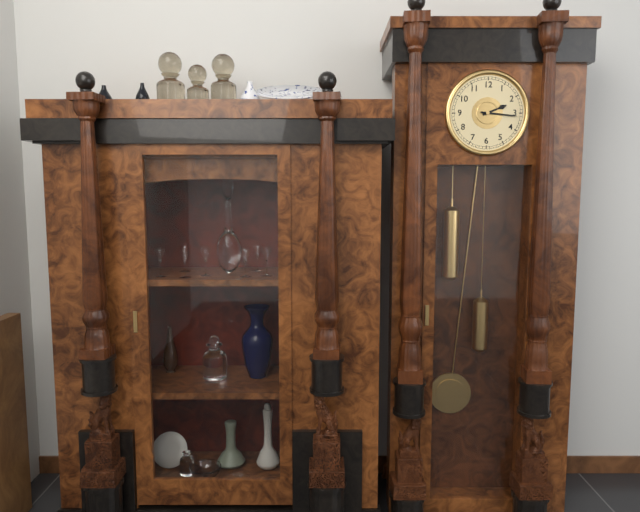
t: 2:16
